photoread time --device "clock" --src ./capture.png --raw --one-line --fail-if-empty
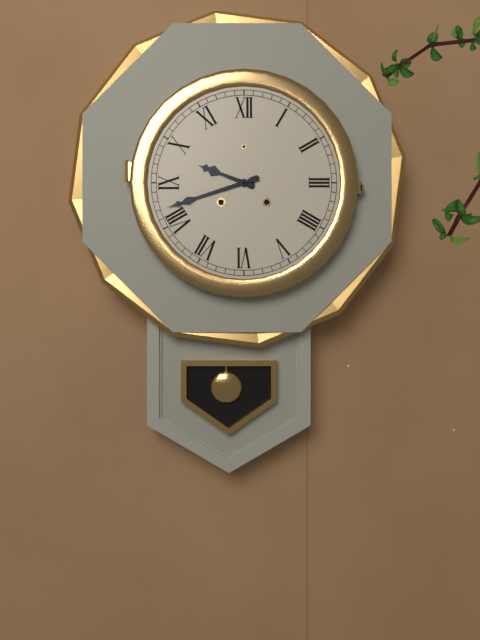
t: 9:42
